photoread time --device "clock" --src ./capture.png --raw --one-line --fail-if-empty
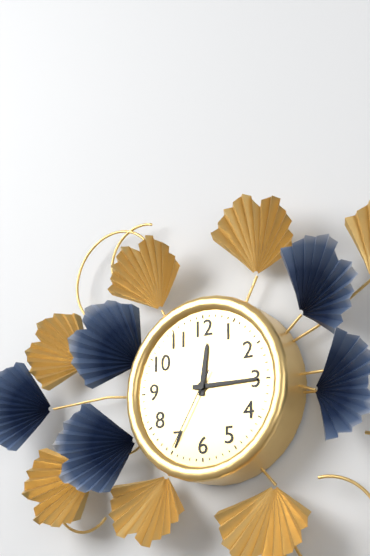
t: 12:15:35
